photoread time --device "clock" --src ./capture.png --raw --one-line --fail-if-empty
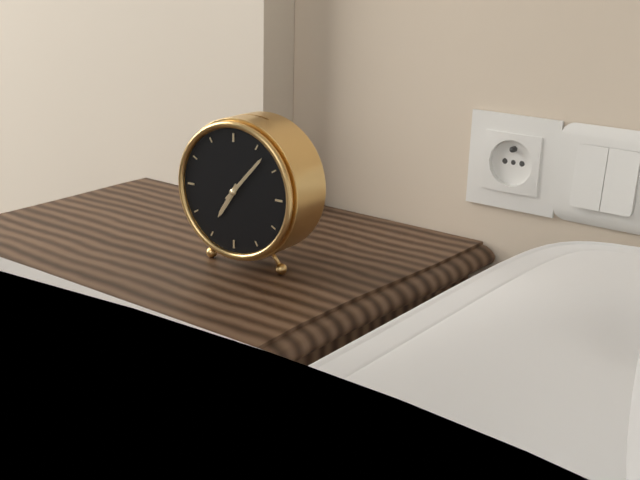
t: 7:07
